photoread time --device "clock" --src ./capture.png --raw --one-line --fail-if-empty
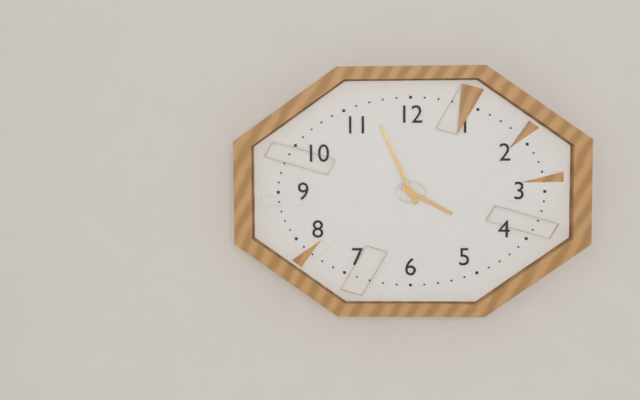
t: 3:56
